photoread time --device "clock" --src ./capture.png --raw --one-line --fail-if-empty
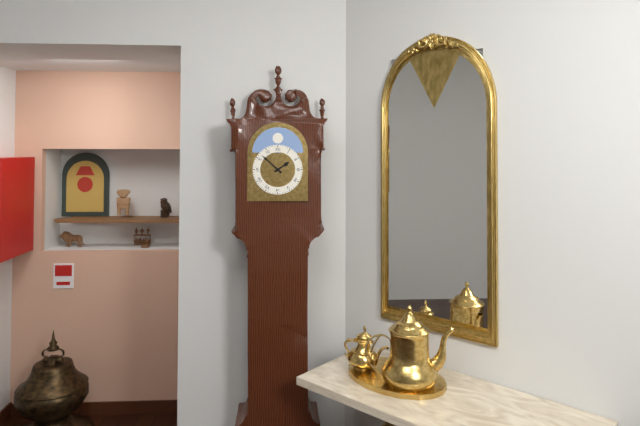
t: 1:52
